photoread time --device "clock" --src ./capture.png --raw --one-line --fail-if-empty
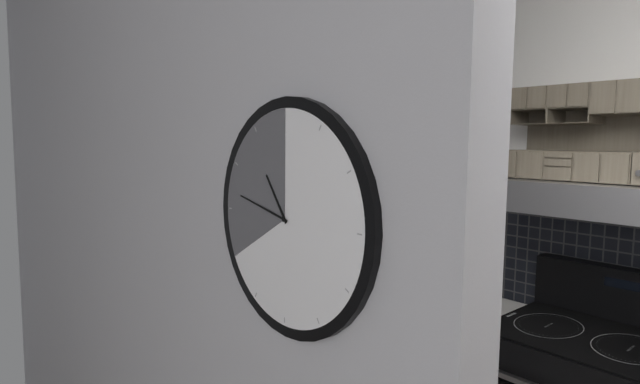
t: 10:47
